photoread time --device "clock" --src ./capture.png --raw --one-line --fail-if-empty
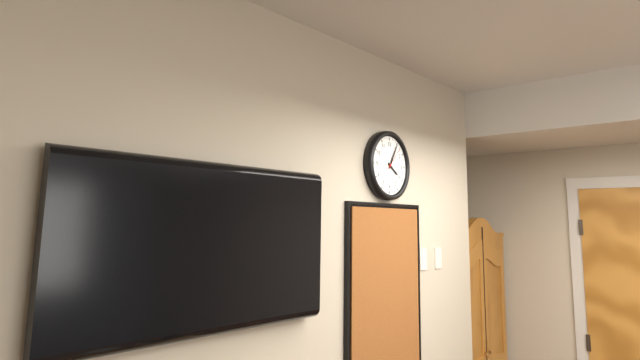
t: 4:05
